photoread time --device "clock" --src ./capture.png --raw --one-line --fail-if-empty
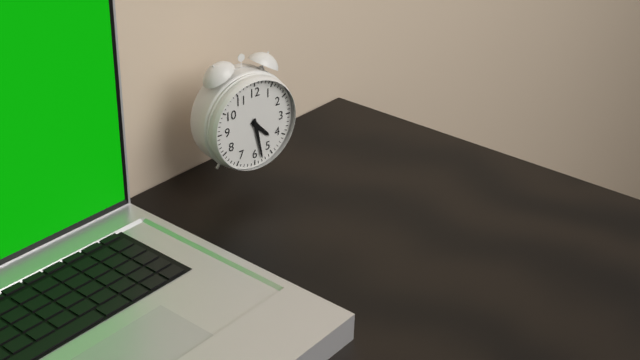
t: 4:28
